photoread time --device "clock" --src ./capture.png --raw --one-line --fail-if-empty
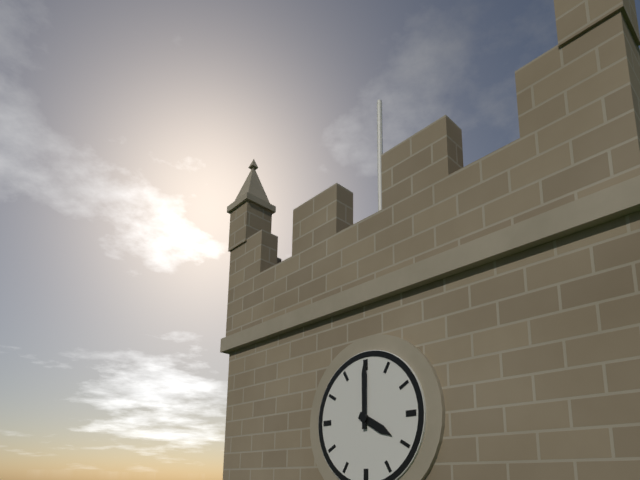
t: 4:00
